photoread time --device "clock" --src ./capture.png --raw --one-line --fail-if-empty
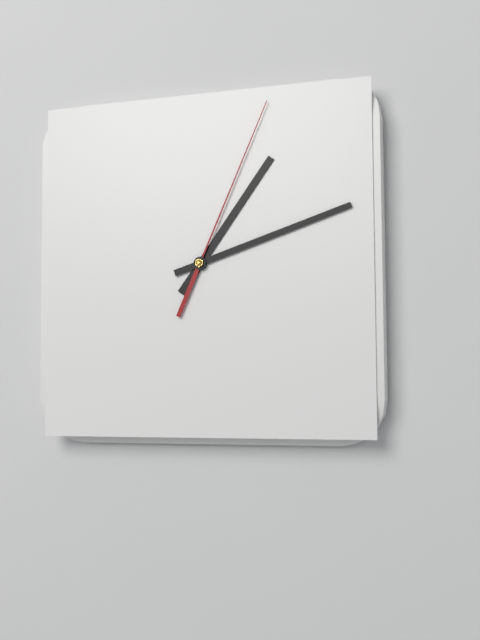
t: 1:12:04
